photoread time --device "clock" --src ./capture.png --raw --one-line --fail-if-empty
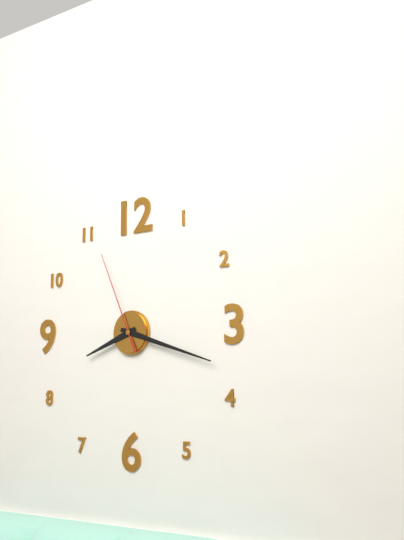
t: 8:18:56
